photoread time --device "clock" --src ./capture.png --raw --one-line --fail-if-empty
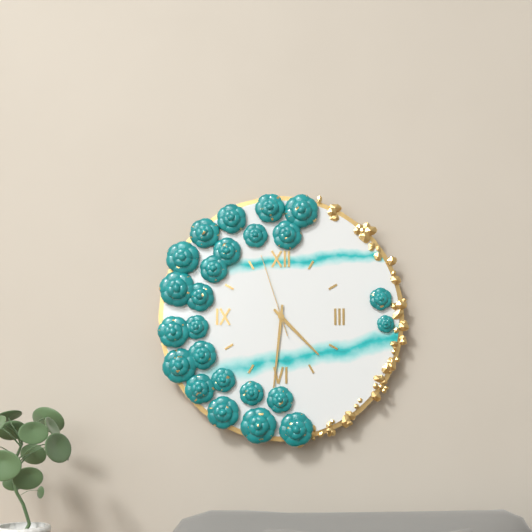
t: 4:31:57
